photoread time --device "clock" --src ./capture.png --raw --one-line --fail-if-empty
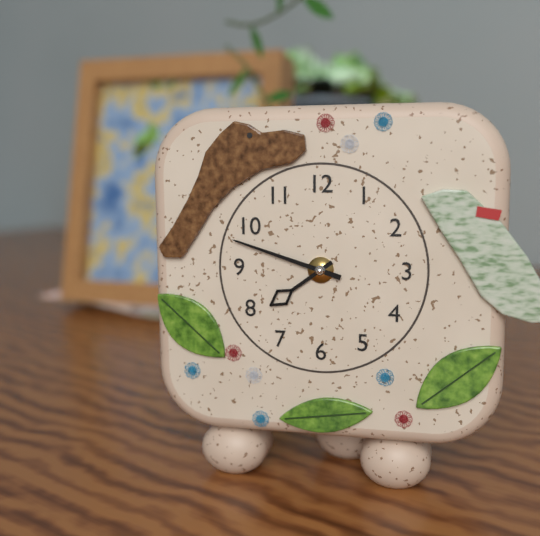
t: 7:48
